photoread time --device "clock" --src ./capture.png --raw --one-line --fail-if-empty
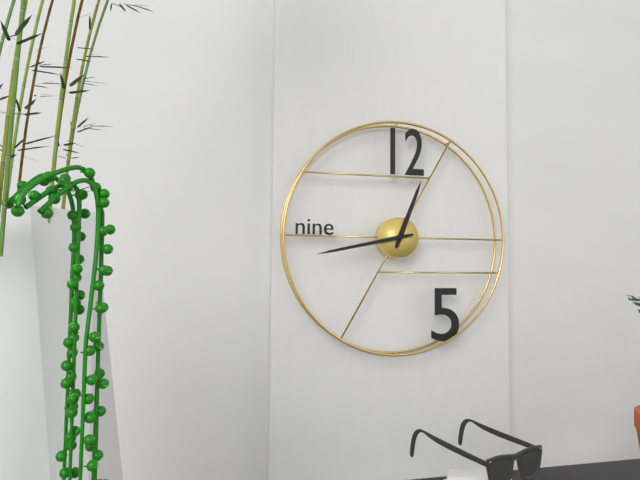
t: 12:43
